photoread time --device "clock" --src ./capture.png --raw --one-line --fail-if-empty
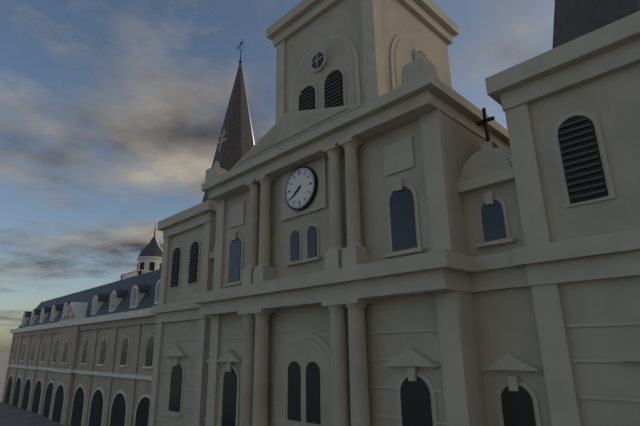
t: 7:39
